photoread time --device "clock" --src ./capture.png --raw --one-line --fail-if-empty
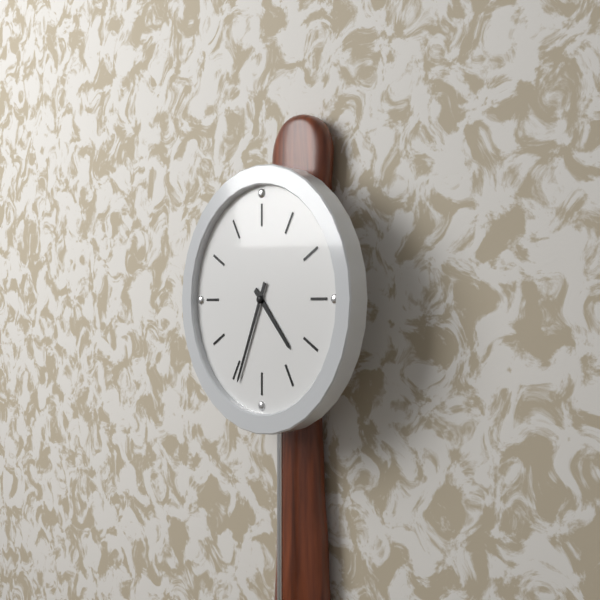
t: 4:34
